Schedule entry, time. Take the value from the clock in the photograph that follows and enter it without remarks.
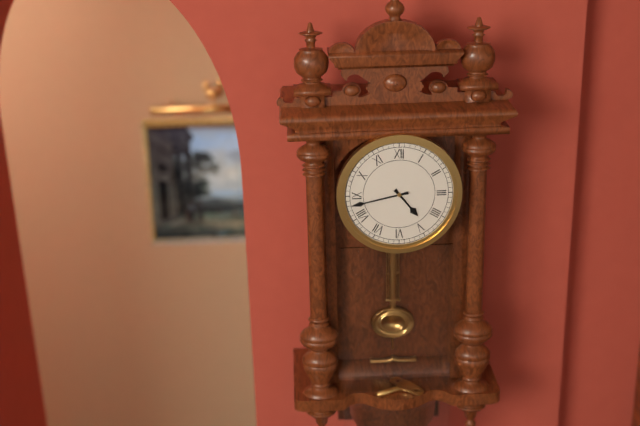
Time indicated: 4:43
